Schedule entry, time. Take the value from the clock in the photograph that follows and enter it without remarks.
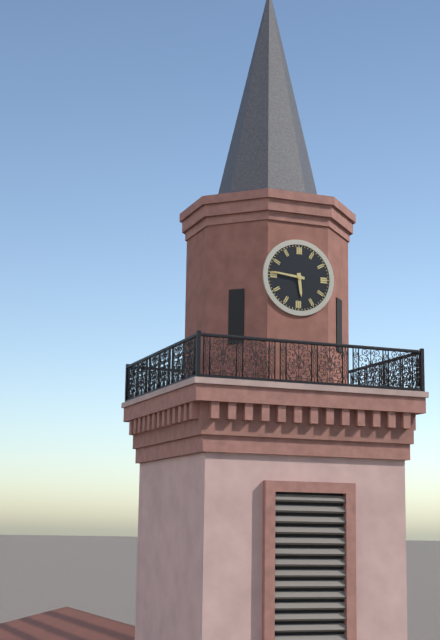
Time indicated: 5:46
